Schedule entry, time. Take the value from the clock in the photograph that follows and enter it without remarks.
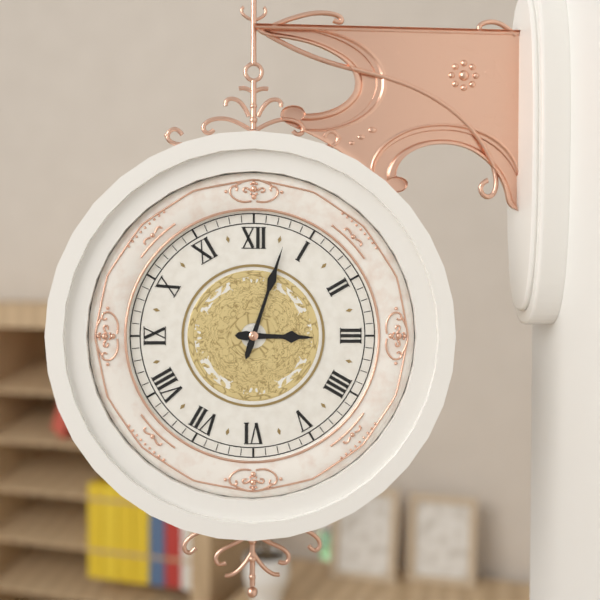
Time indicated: 3:03
